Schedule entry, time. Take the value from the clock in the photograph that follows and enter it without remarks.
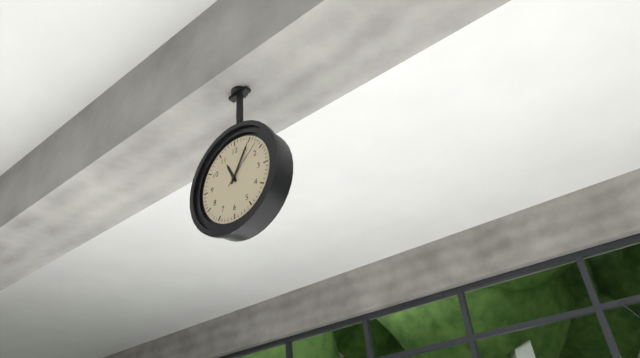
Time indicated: 11:05:08
